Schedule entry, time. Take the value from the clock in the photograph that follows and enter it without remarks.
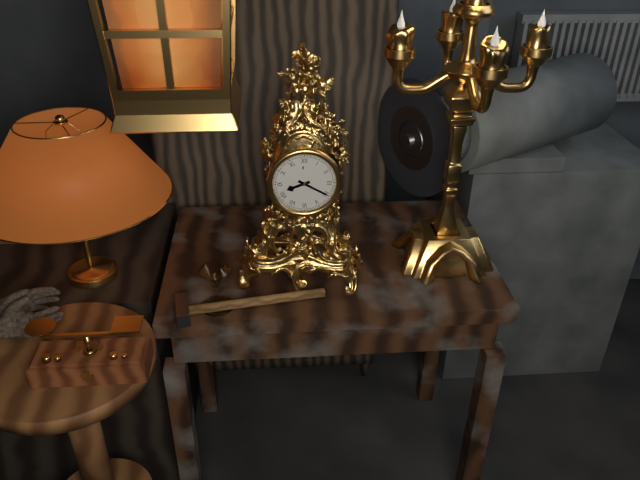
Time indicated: 8:20
